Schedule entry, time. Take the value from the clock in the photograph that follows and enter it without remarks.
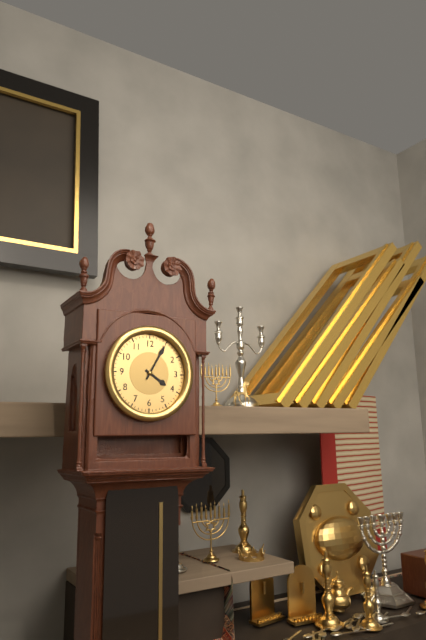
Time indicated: 4:05
